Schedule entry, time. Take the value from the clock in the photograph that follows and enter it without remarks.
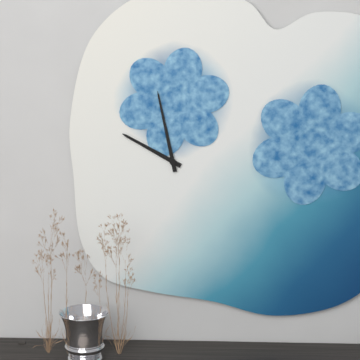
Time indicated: 9:58
